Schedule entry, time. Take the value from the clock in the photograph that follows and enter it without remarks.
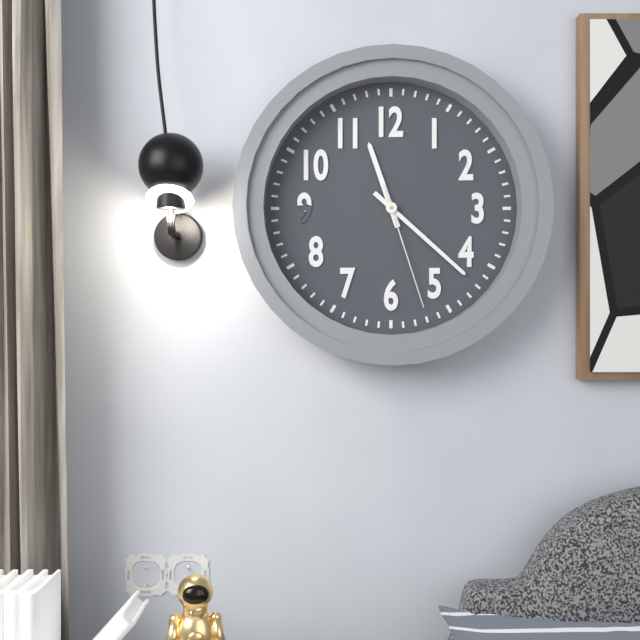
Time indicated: 11:22:27
